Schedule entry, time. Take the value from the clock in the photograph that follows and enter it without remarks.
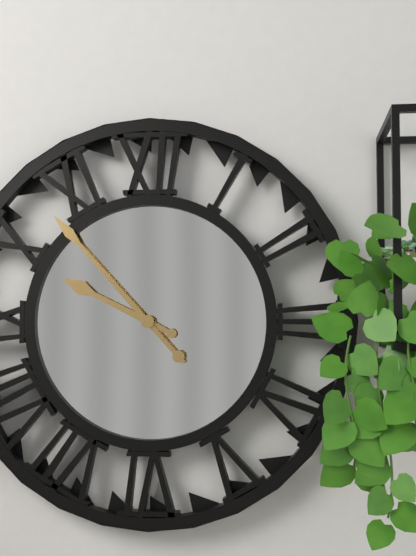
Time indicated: 9:53
